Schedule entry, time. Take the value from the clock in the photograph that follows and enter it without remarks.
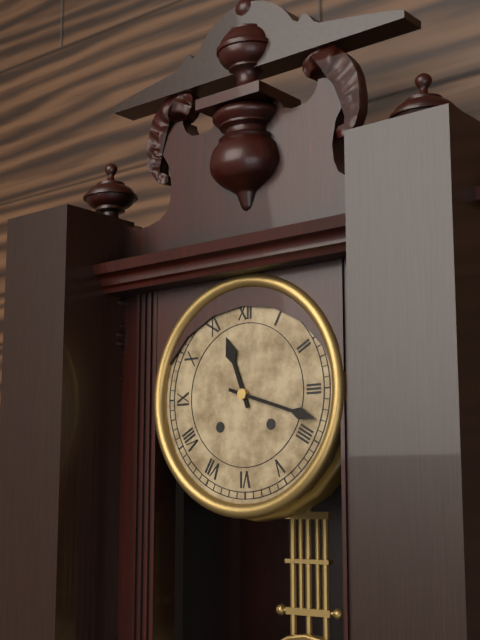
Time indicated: 11:18
